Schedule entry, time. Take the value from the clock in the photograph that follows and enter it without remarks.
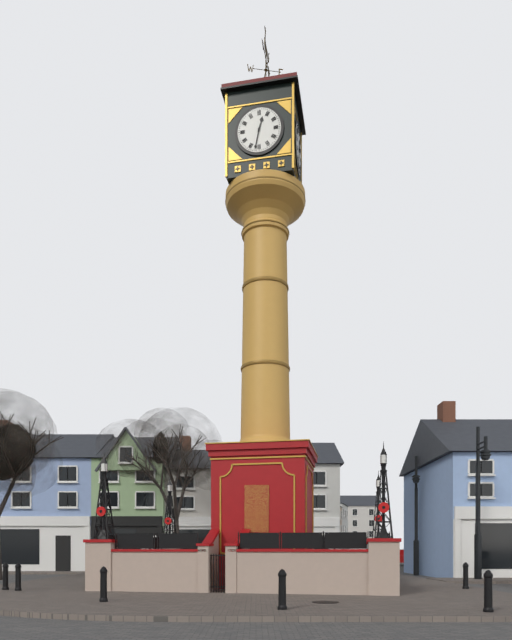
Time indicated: 12:32
